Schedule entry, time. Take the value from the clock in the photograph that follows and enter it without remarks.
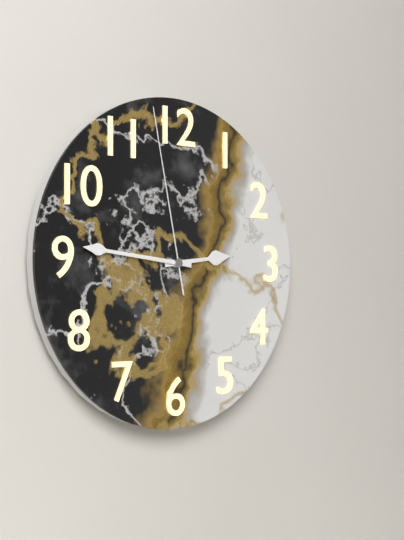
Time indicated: 2:46:58
